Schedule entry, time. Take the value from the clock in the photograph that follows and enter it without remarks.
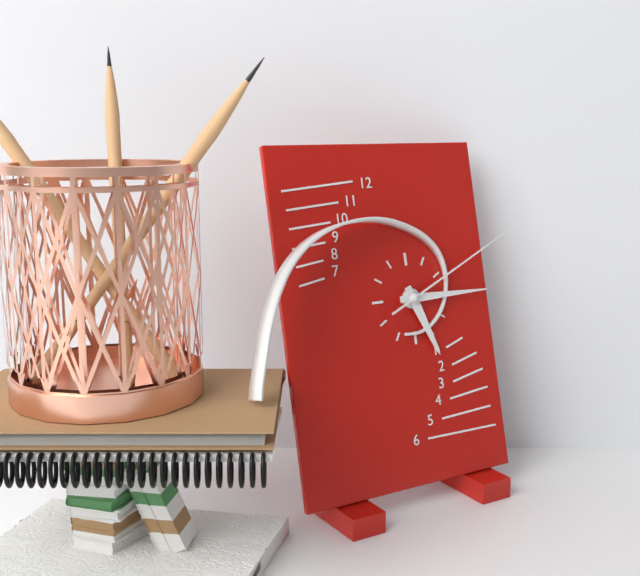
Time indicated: 5:15:11
